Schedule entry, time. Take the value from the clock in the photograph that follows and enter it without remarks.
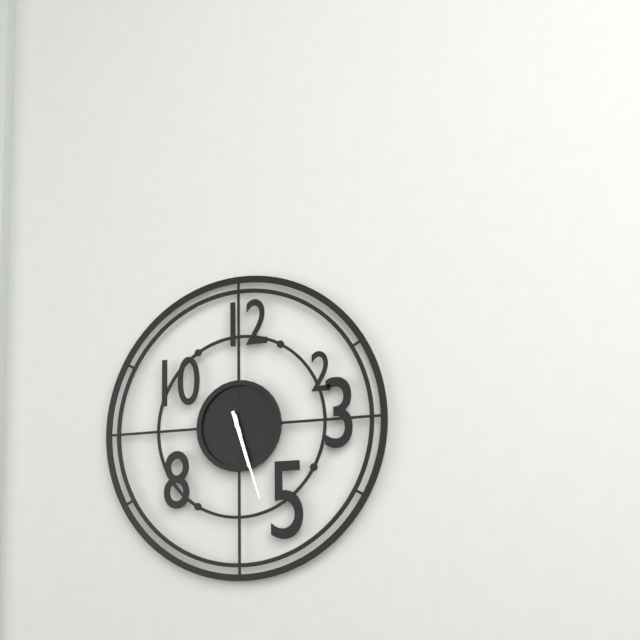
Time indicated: 5:27
